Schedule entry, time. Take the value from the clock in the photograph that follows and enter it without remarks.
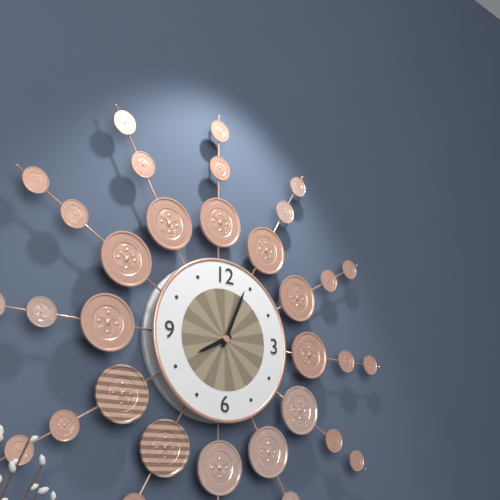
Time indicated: 8:04
